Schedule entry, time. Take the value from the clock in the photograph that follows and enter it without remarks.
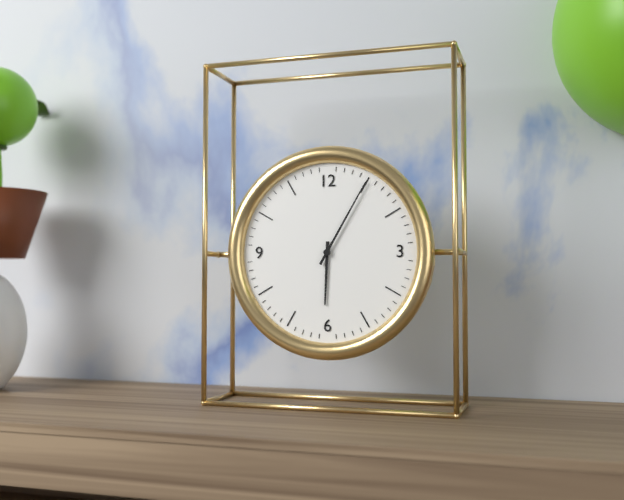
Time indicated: 6:05
